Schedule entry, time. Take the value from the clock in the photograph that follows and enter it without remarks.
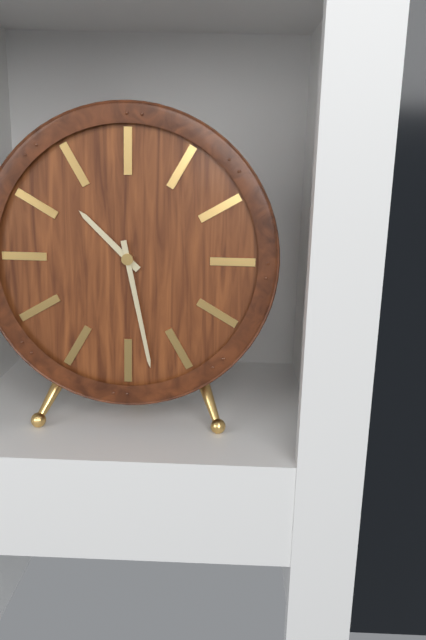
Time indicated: 10:28
